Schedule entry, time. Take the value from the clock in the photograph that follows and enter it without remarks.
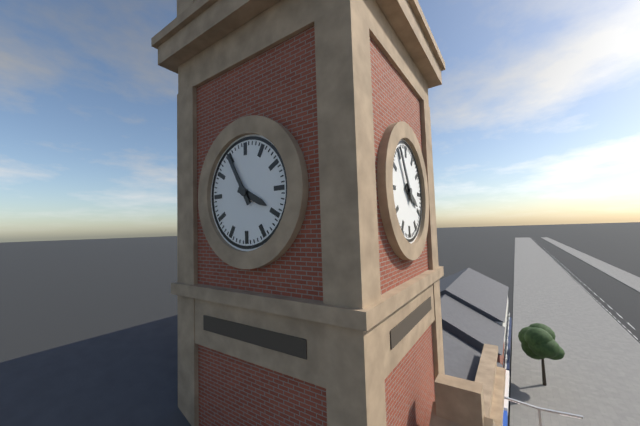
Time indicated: 3:55
